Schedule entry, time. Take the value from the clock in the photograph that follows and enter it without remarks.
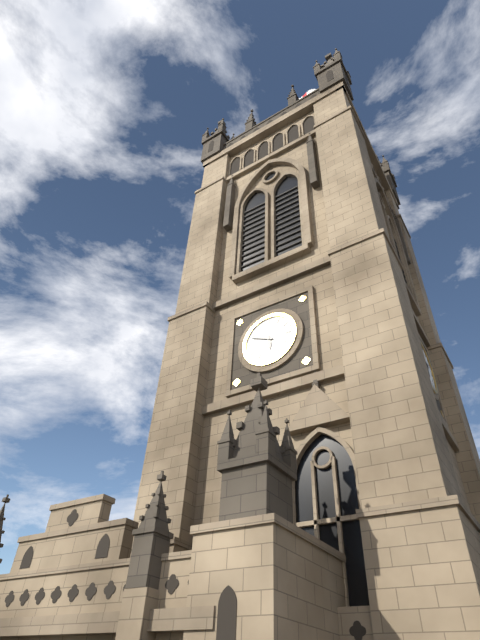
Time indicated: 5:49
